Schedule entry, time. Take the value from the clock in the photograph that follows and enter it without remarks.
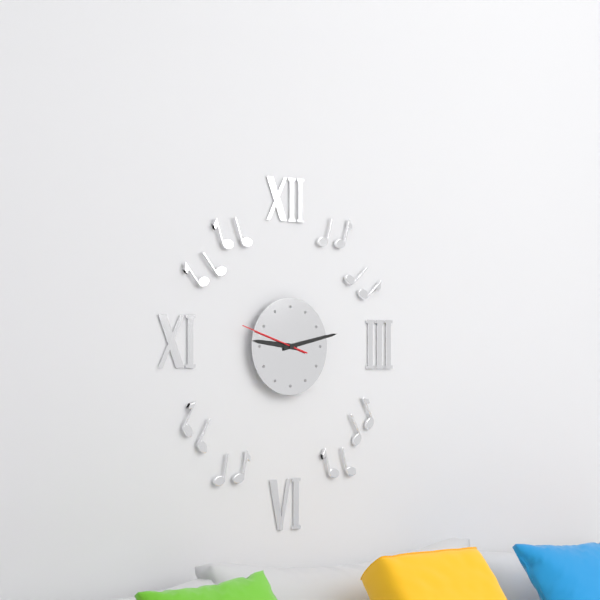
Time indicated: 9:13:48
